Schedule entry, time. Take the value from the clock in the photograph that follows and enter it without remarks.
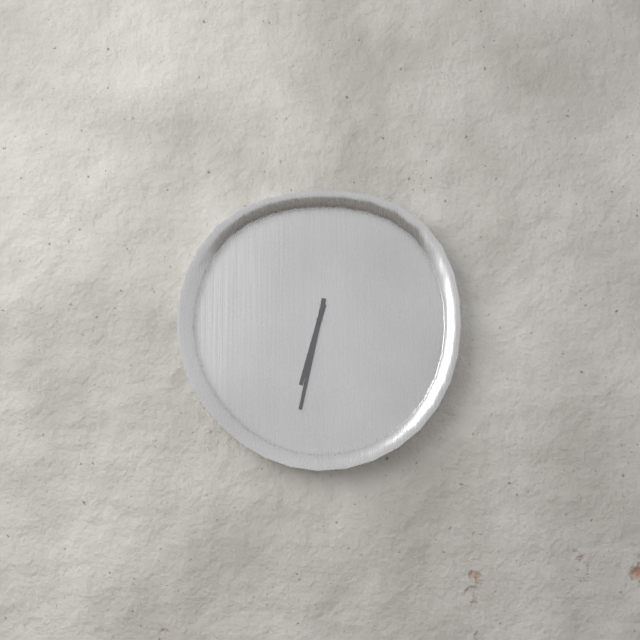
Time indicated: 6:32
